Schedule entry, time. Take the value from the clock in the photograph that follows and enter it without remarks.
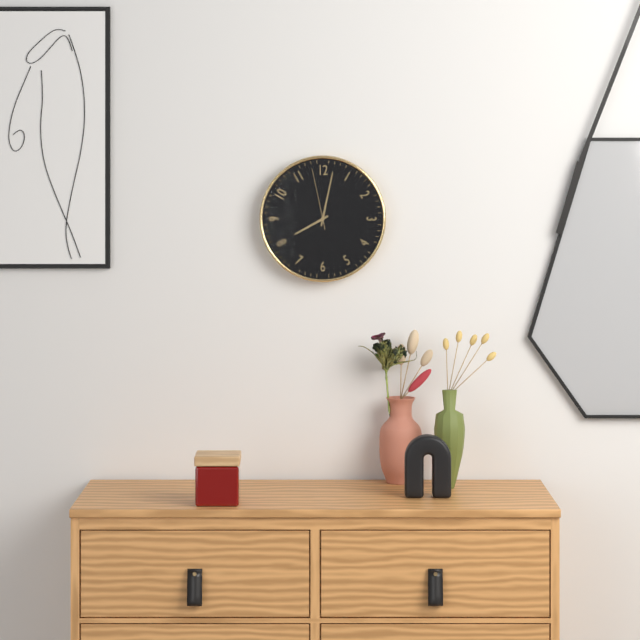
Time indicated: 8:02:58
